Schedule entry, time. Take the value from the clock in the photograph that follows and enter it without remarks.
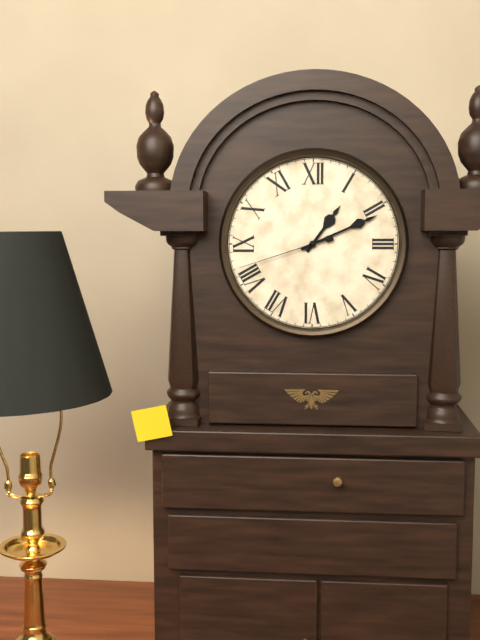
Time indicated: 1:11:42
